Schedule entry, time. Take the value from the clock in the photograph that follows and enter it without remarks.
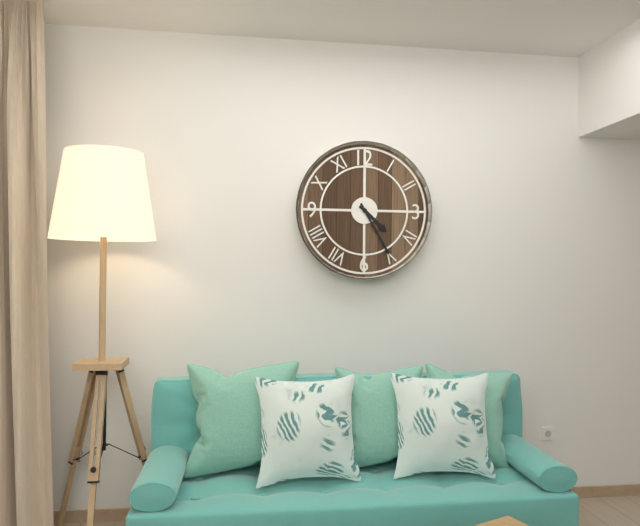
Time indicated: 4:25
